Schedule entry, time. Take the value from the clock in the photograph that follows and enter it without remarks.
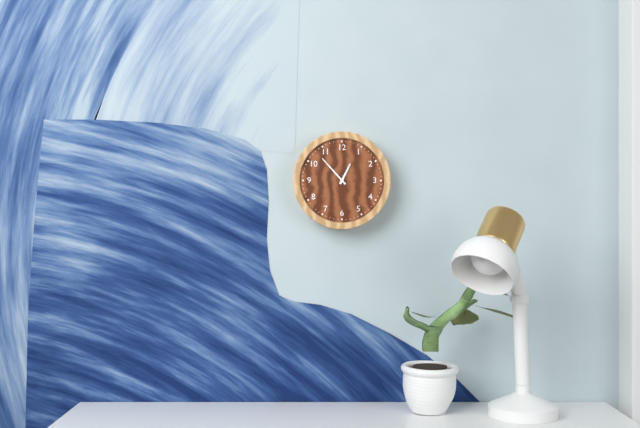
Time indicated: 12:53
